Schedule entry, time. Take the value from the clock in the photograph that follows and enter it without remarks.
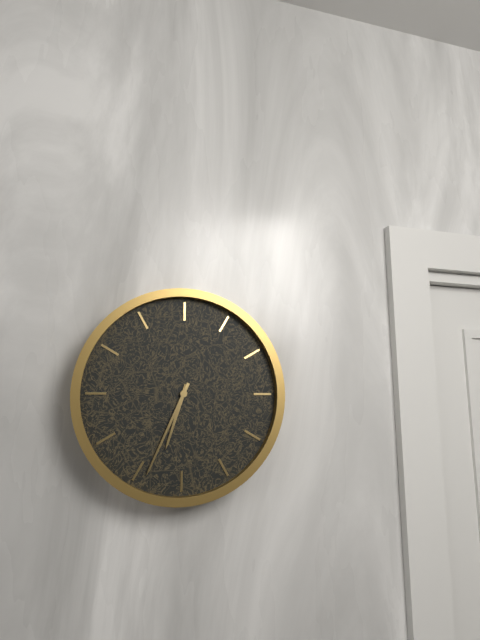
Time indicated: 6:34
